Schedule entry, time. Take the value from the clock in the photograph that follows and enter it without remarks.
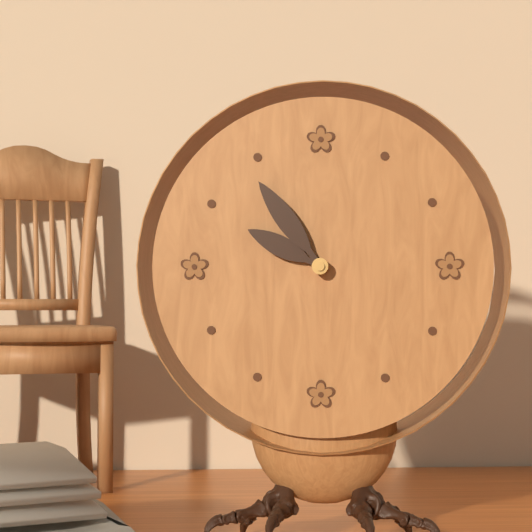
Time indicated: 9:54
